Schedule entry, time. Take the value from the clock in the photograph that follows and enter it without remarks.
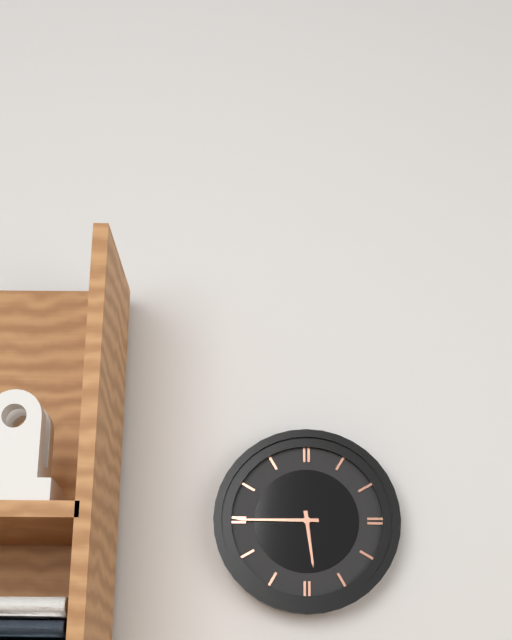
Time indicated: 5:45
